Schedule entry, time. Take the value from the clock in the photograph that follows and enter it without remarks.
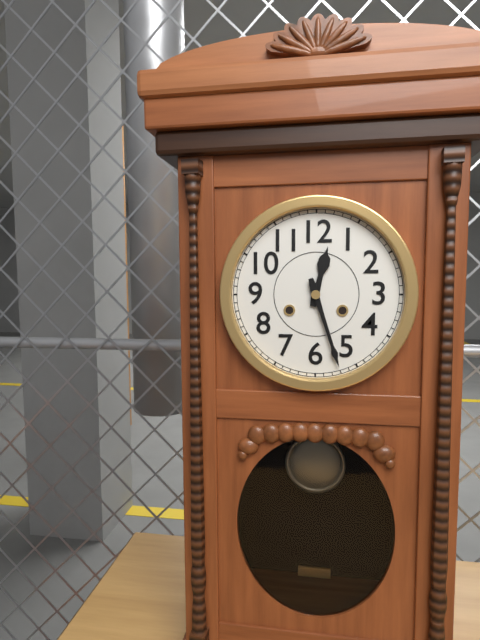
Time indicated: 12:27
